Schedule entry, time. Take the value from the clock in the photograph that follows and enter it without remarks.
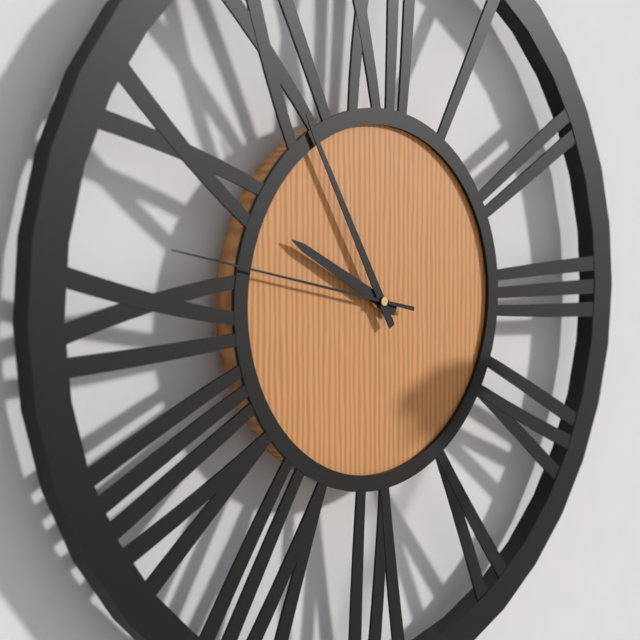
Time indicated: 9:55:47
